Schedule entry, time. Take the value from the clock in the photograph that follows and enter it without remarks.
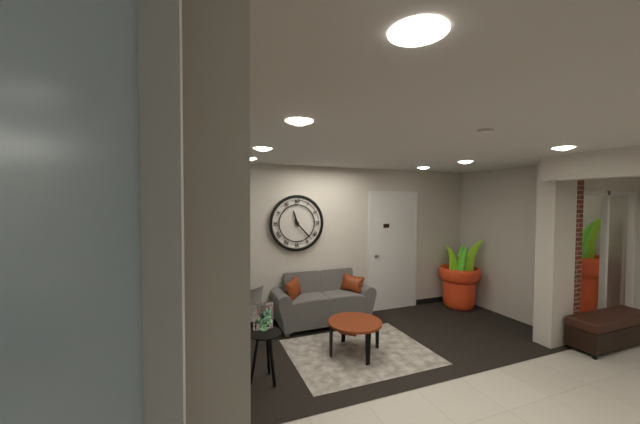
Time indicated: 11:23
